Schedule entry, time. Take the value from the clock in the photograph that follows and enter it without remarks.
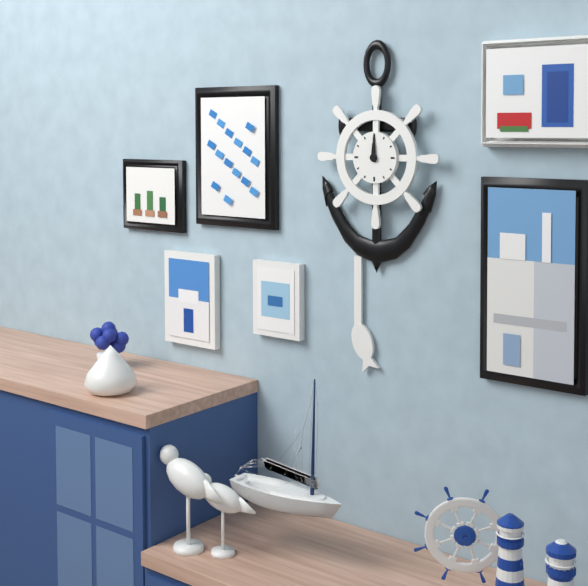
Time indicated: 12:00
